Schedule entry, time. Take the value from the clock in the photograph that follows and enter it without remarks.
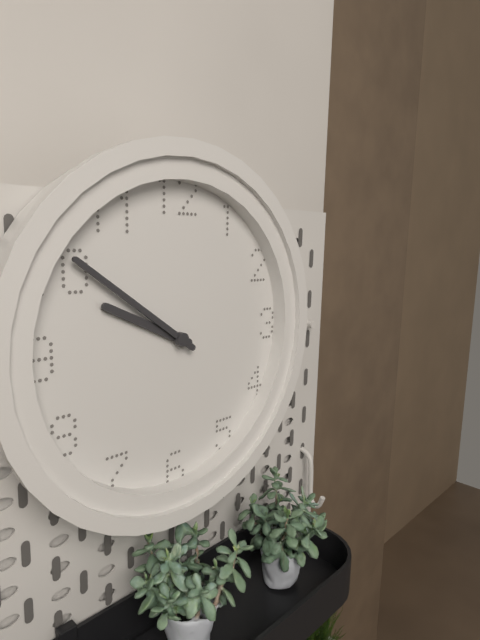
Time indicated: 9:51
